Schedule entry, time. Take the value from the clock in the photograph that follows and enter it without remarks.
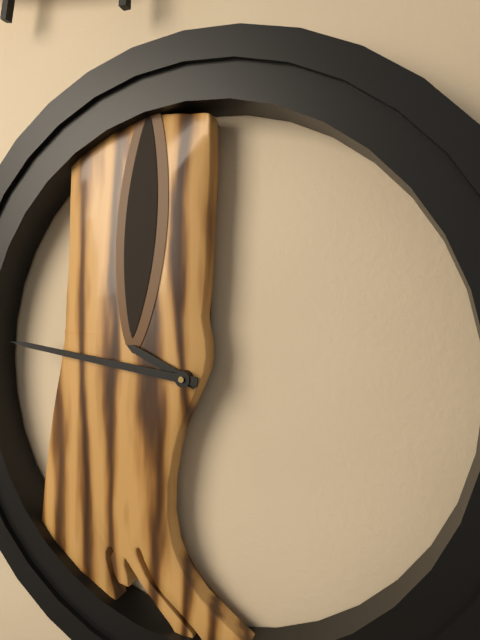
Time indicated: 9:46
